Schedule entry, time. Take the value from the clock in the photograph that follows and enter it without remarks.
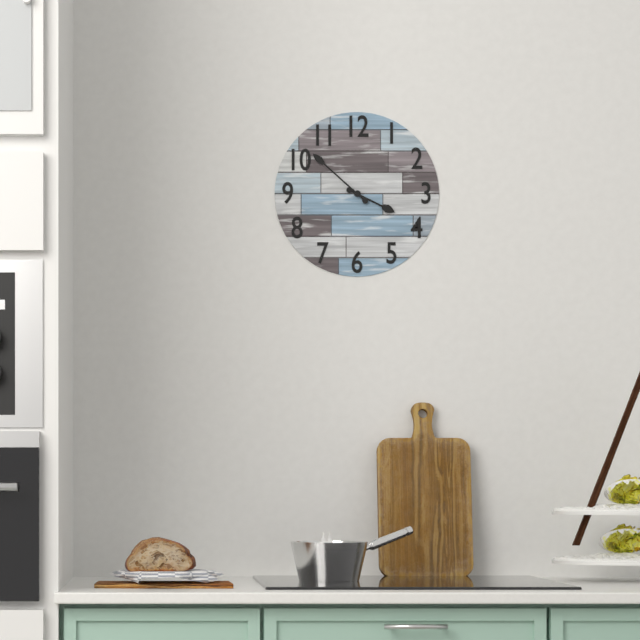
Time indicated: 3:52
